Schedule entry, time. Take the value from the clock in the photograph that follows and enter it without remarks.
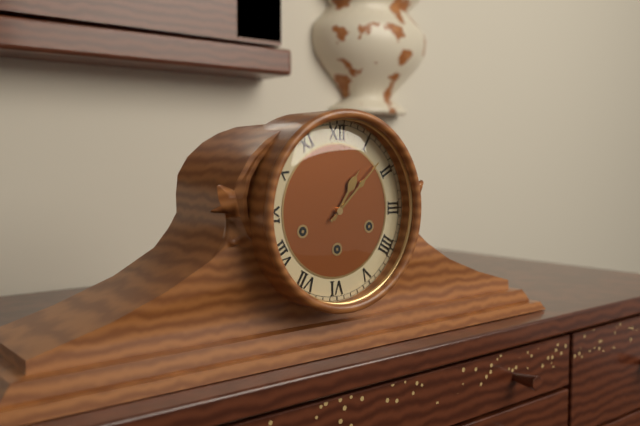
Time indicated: 1:08
